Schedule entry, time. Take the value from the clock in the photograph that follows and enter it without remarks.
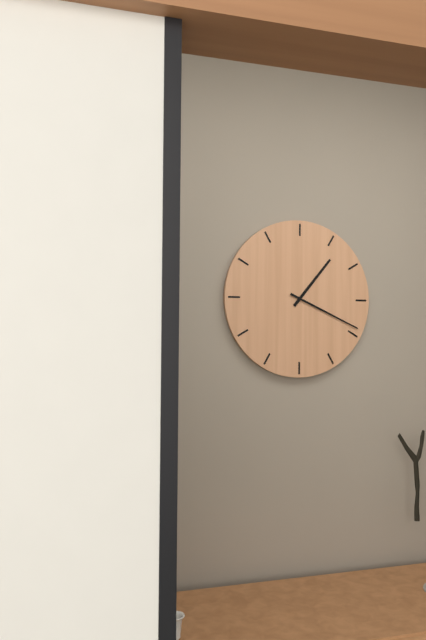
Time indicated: 1:19
